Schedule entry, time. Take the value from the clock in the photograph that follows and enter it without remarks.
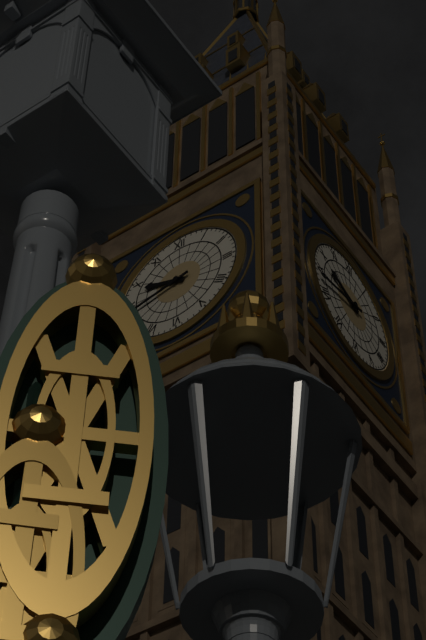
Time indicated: 9:43
